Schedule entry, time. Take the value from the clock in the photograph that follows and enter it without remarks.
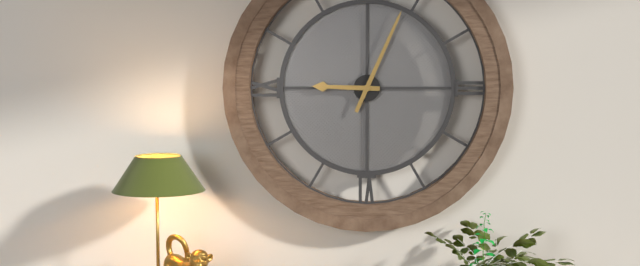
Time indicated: 9:04
